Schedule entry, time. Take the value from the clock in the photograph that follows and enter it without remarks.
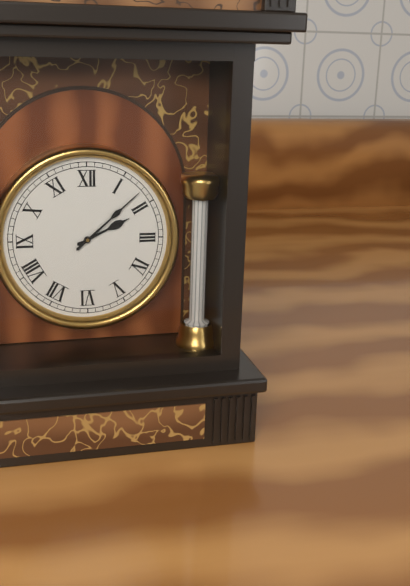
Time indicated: 2:08
